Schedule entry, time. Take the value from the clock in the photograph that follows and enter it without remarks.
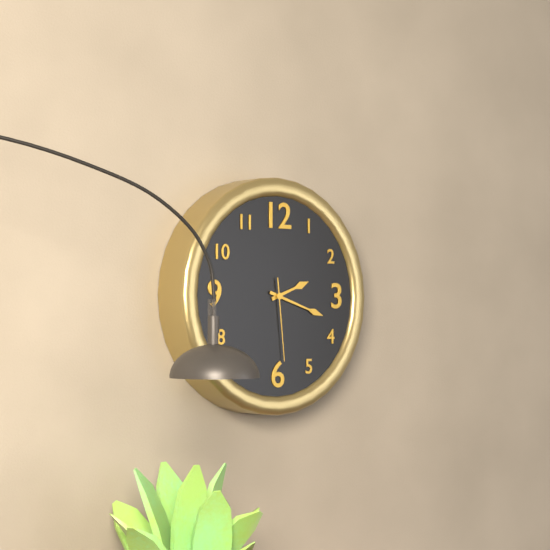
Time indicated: 2:18:29
